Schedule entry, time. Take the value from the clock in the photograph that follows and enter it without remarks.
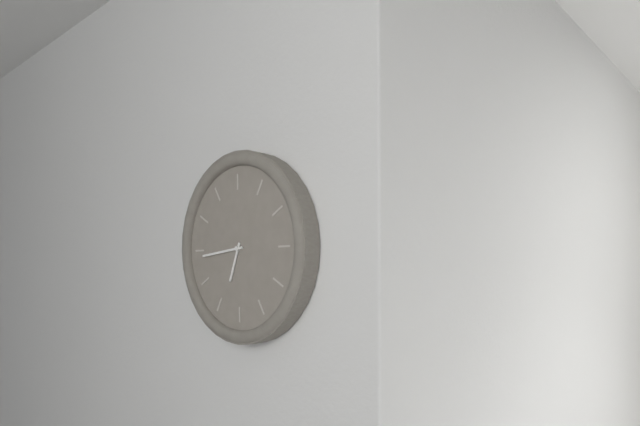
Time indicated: 6:44
